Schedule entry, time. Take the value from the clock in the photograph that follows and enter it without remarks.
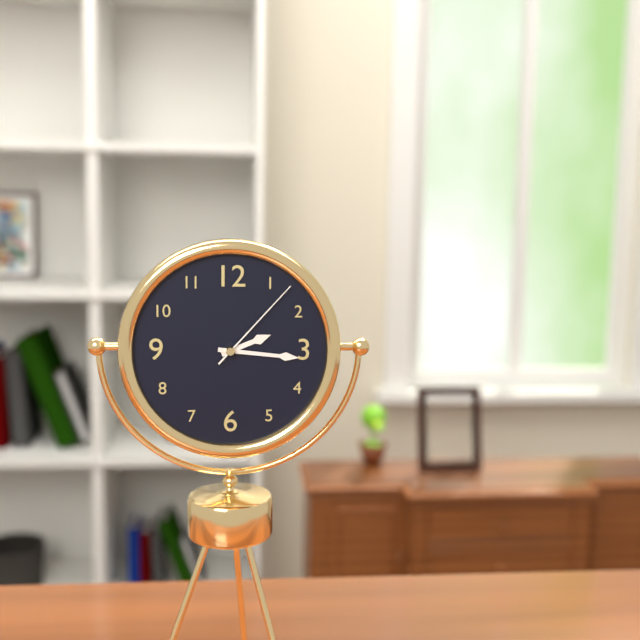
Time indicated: 2:16:07
